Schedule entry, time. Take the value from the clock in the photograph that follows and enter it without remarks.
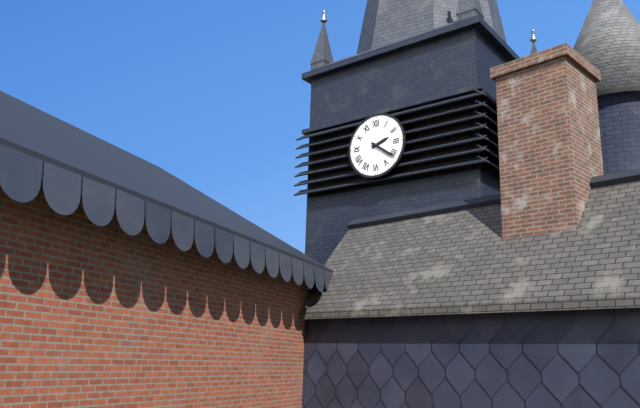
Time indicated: 2:21
